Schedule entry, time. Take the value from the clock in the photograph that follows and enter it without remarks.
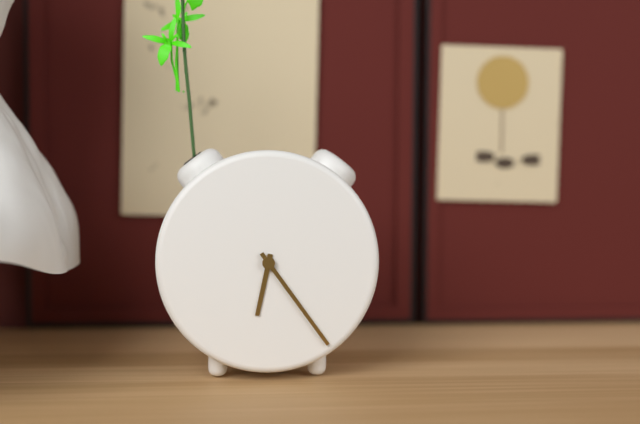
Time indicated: 6:24
